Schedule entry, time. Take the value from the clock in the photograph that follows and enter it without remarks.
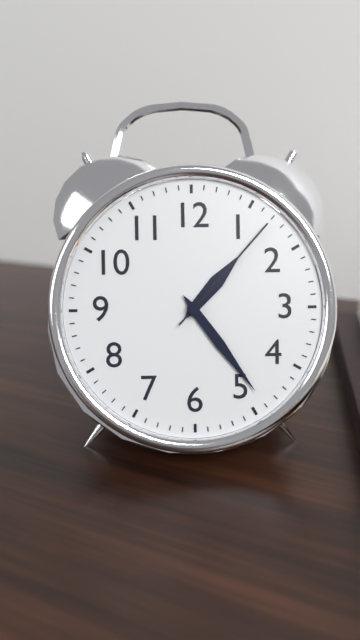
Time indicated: 1:24:07
